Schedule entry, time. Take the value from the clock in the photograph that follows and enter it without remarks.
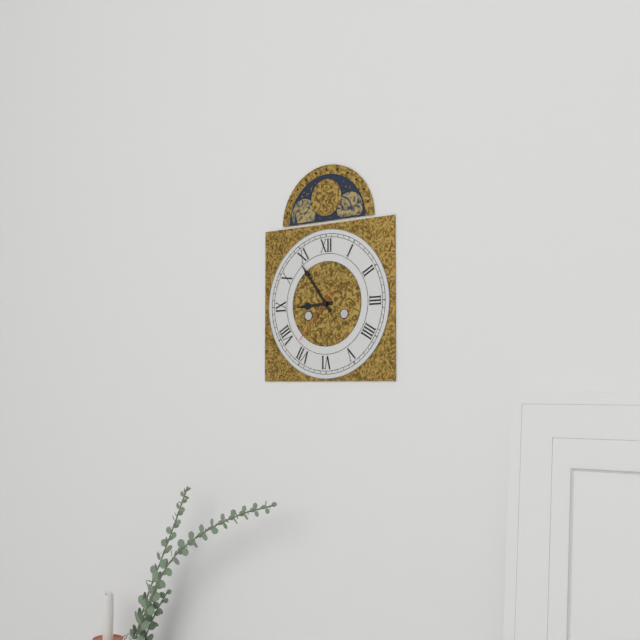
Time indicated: 8:54:37
